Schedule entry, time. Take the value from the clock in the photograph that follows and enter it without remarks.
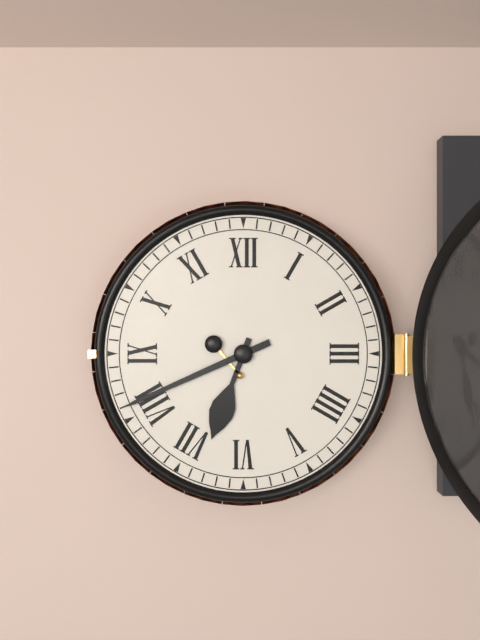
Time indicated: 6:41
